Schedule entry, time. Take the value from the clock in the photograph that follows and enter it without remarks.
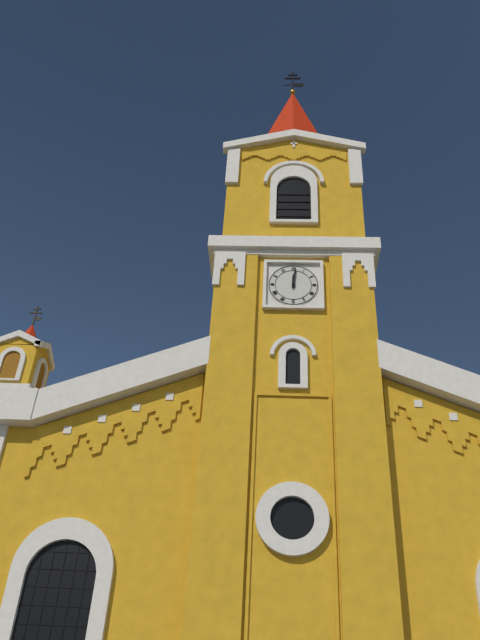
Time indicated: 12:01
